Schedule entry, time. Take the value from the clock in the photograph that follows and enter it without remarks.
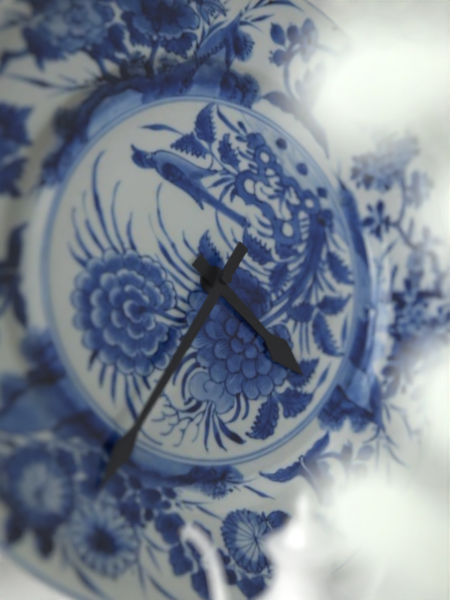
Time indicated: 4:37
